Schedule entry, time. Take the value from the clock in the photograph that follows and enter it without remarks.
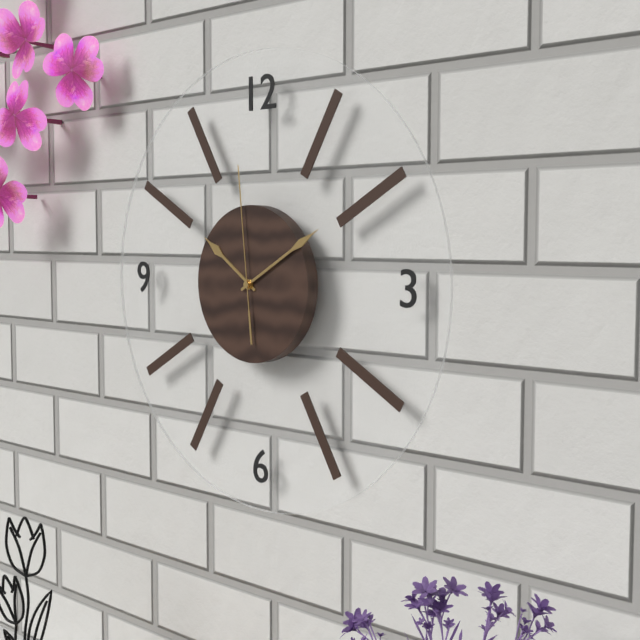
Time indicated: 10:10:59
